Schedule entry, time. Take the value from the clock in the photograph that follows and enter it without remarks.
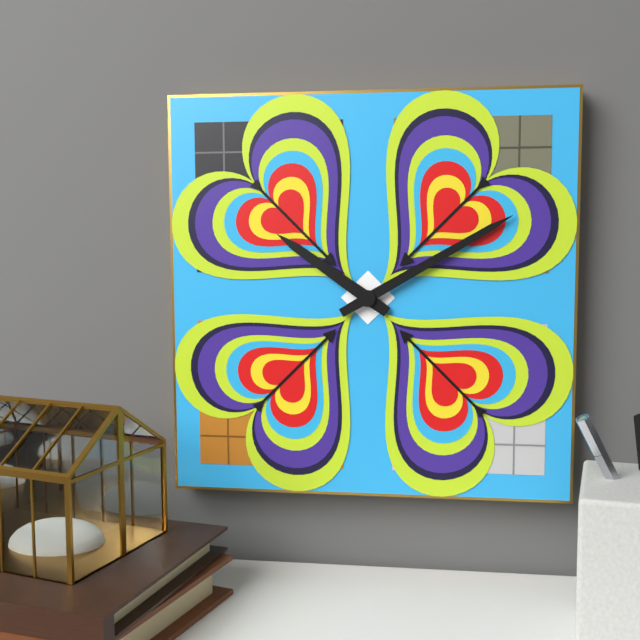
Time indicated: 10:10
